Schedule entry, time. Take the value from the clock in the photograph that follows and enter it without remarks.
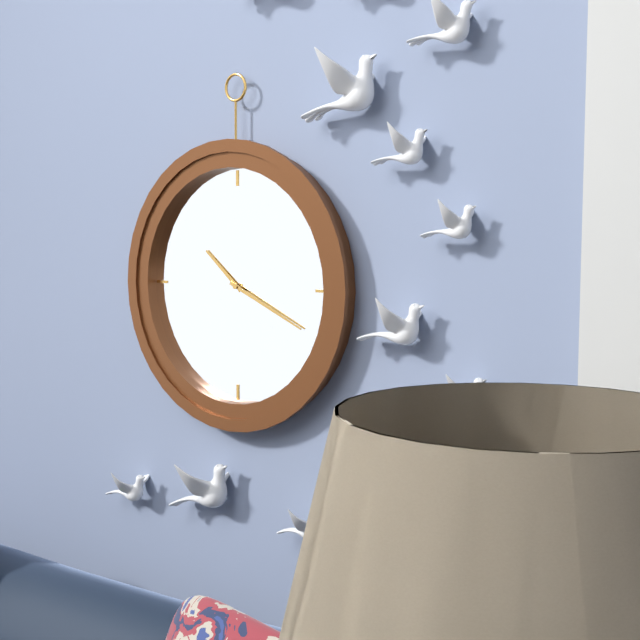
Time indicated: 10:19
